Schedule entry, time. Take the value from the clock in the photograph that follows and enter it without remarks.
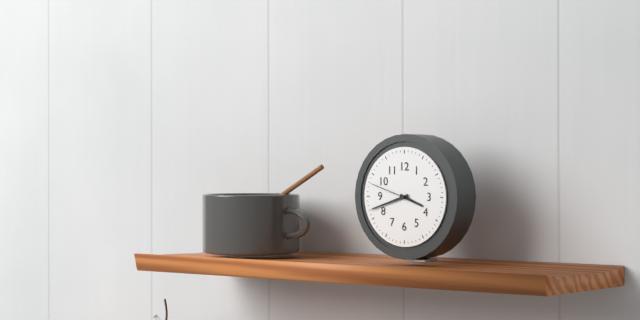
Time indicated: 3:42
